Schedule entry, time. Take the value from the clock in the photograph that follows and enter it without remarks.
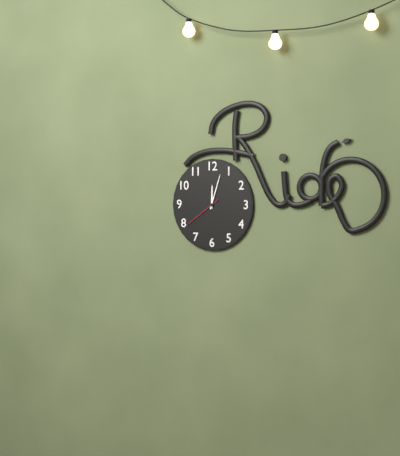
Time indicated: 12:03
